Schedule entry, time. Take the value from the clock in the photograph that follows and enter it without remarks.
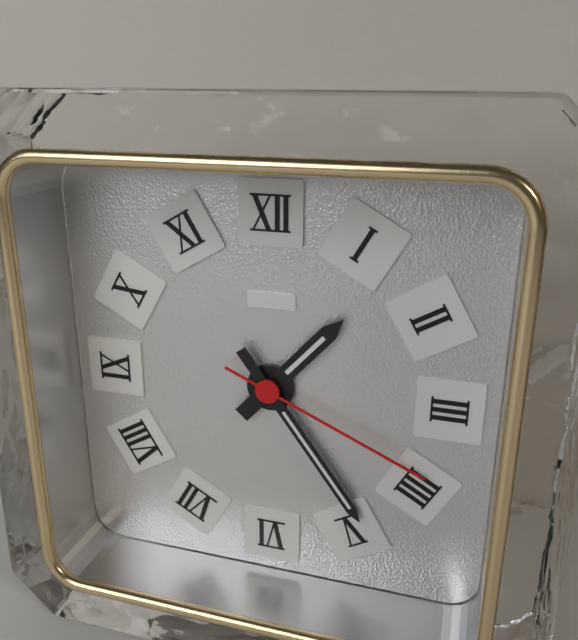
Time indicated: 1:24:19
